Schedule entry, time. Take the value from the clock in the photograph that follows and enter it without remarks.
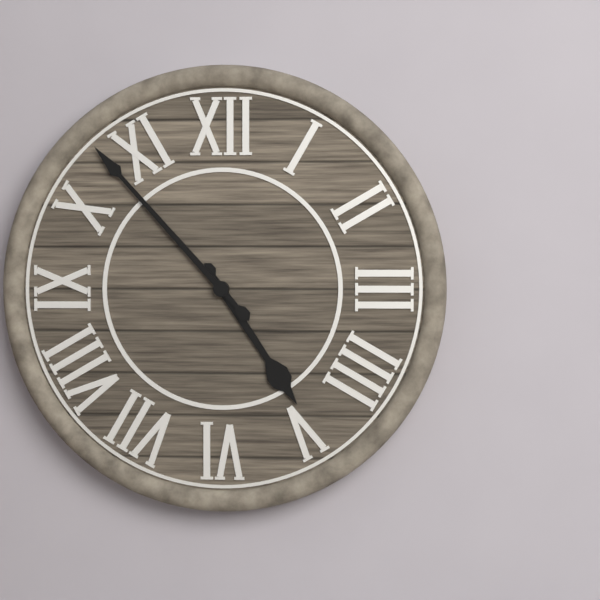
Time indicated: 4:53
